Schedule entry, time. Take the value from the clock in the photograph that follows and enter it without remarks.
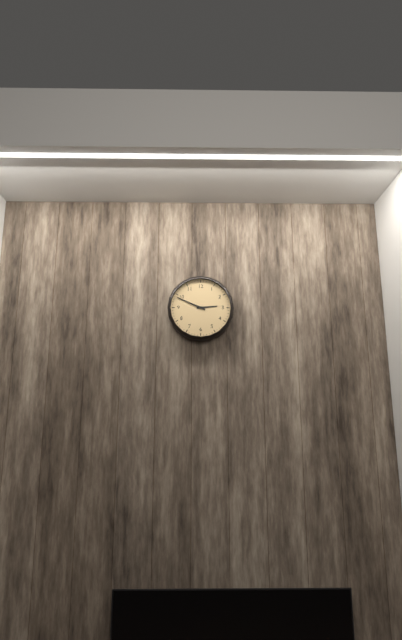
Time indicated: 2:49
